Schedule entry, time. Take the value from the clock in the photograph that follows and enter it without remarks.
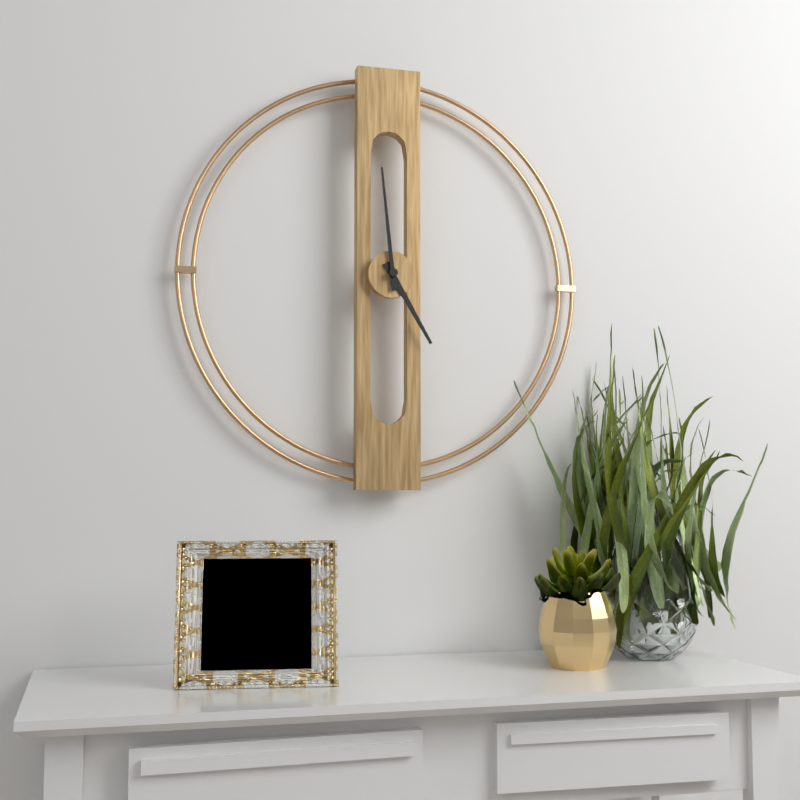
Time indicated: 4:59
